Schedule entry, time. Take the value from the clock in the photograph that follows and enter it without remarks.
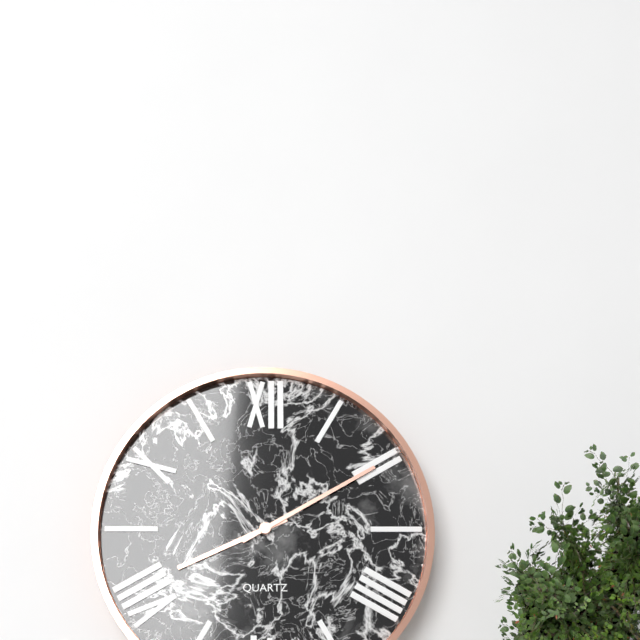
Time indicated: 8:10
